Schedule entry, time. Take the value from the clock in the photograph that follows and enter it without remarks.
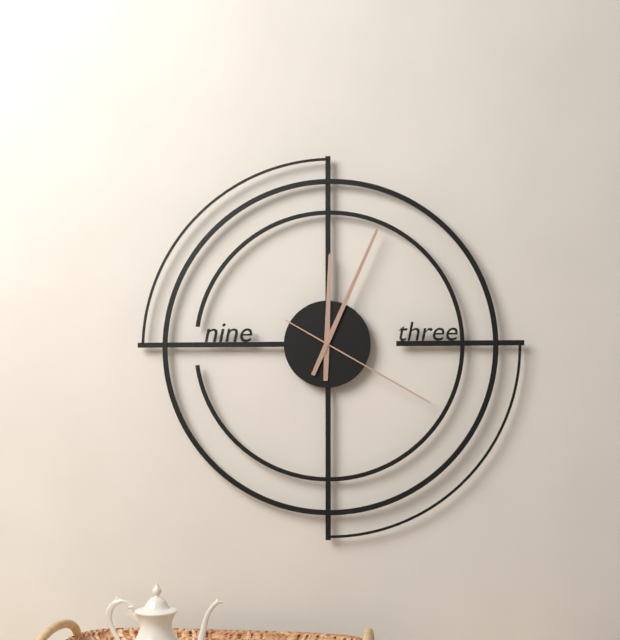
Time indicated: 12:04:20
